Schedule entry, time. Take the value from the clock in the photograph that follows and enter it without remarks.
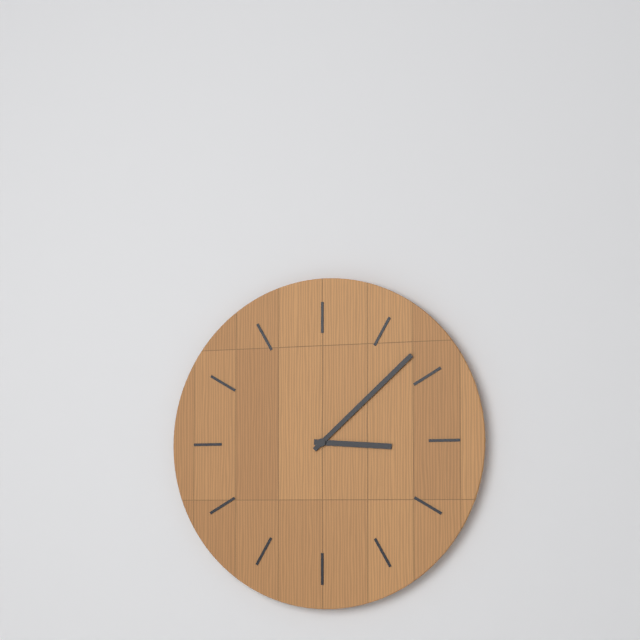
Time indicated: 3:08
